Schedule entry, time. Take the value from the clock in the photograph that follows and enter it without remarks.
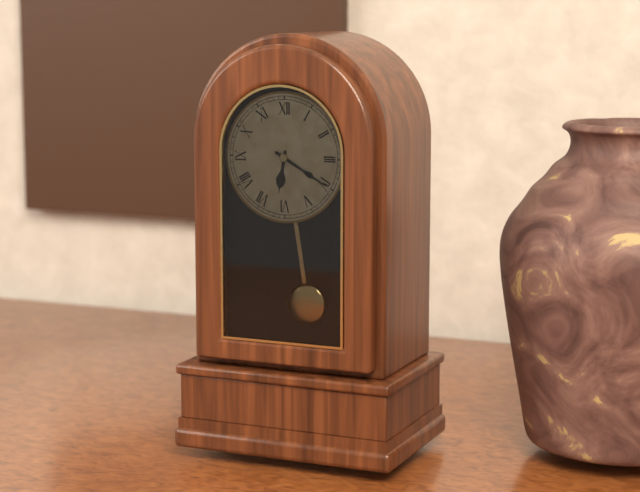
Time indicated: 6:20
